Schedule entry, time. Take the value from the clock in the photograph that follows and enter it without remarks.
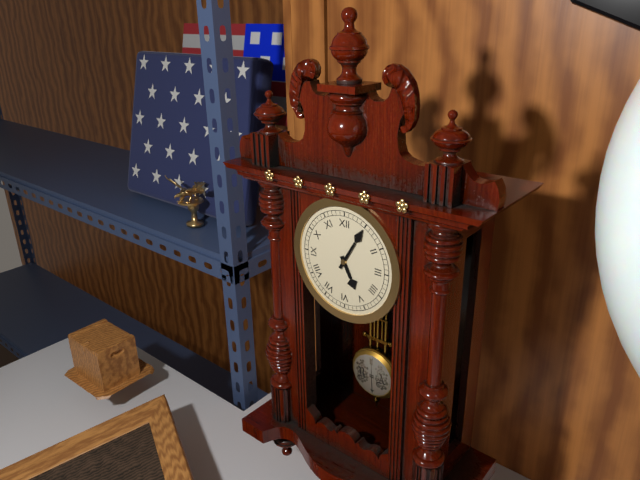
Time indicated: 5:05
